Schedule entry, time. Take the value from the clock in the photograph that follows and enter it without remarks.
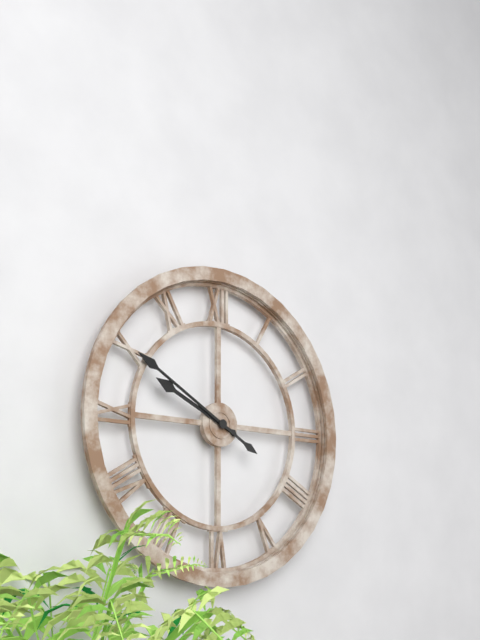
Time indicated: 9:50
